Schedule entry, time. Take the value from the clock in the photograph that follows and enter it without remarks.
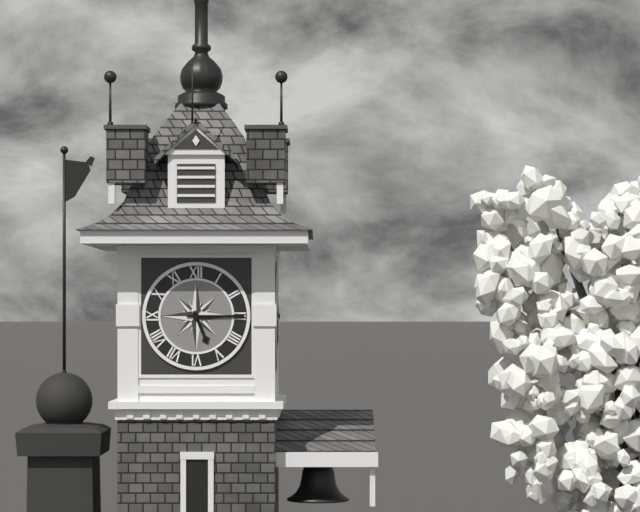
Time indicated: 5:15
